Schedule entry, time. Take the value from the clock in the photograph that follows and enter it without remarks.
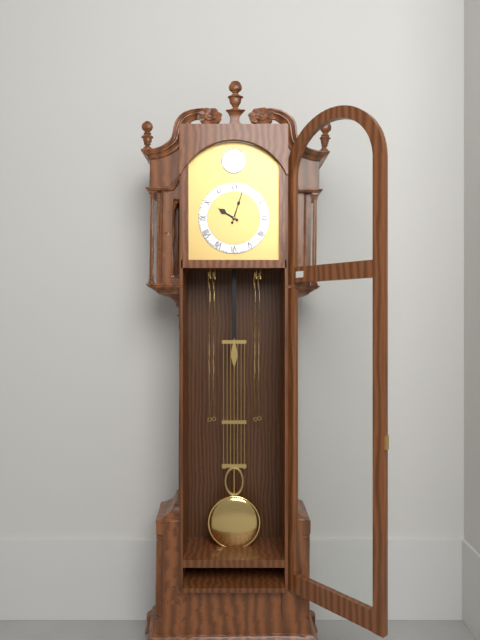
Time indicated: 10:03
